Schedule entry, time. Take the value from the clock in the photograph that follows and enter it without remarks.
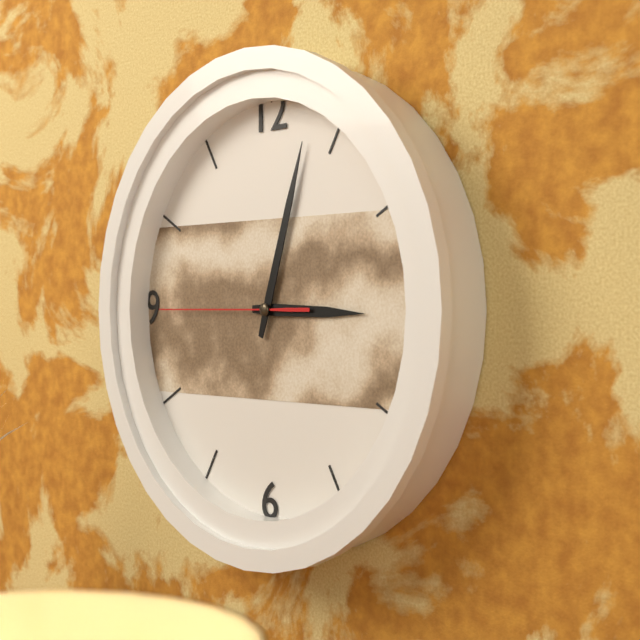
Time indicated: 3:03:45
